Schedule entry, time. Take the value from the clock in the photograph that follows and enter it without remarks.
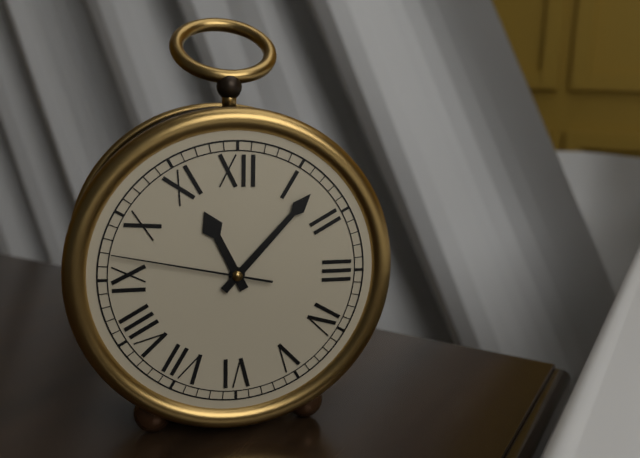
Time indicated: 11:07:47
